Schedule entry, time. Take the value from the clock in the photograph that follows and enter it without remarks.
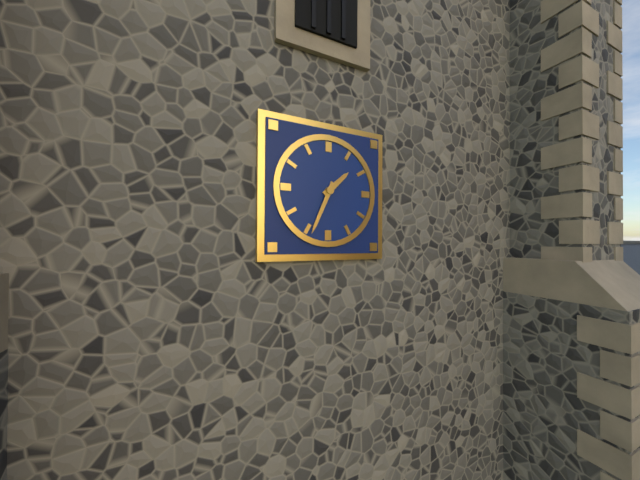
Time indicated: 1:34
